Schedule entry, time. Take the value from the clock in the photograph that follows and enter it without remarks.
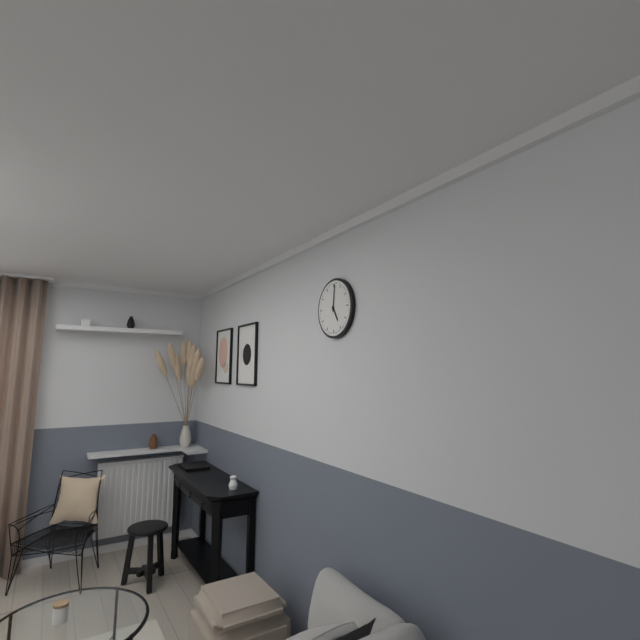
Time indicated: 5:01
